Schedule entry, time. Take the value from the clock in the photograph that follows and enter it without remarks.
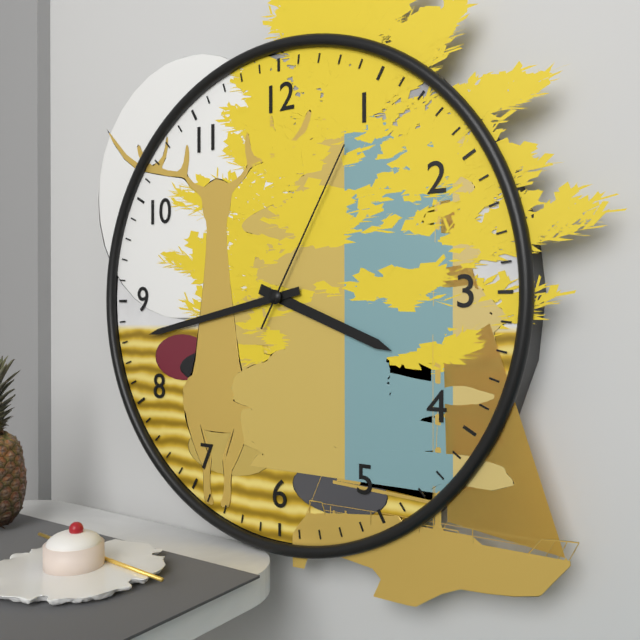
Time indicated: 3:43:05
